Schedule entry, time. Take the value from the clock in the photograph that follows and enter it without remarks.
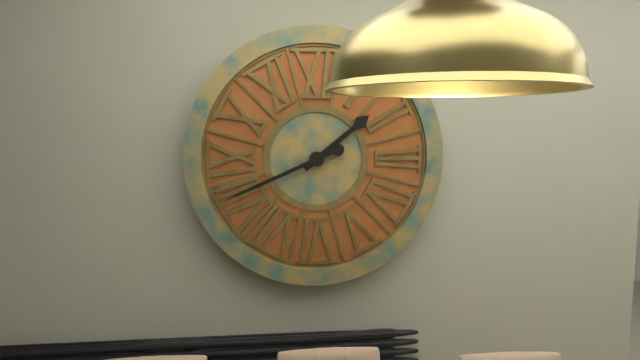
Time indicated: 1:41
